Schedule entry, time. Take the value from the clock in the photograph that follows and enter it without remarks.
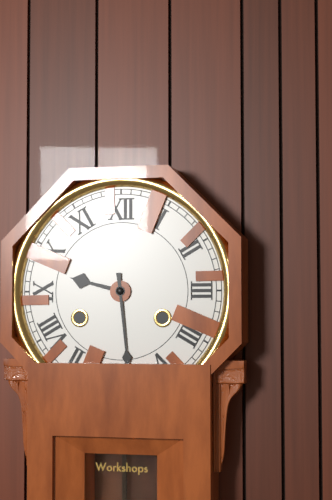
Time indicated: 9:29
